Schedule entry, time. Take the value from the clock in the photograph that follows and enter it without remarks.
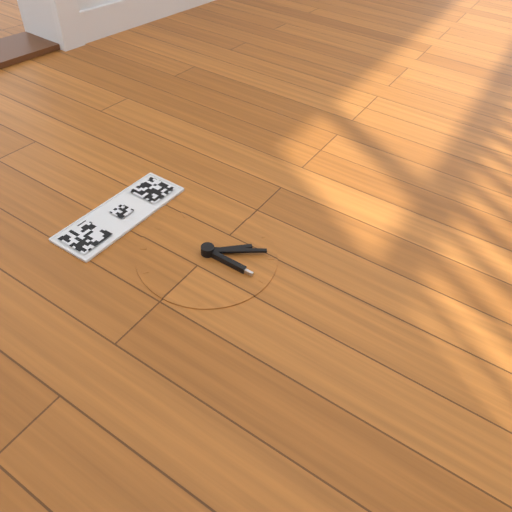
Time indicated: 4:24
